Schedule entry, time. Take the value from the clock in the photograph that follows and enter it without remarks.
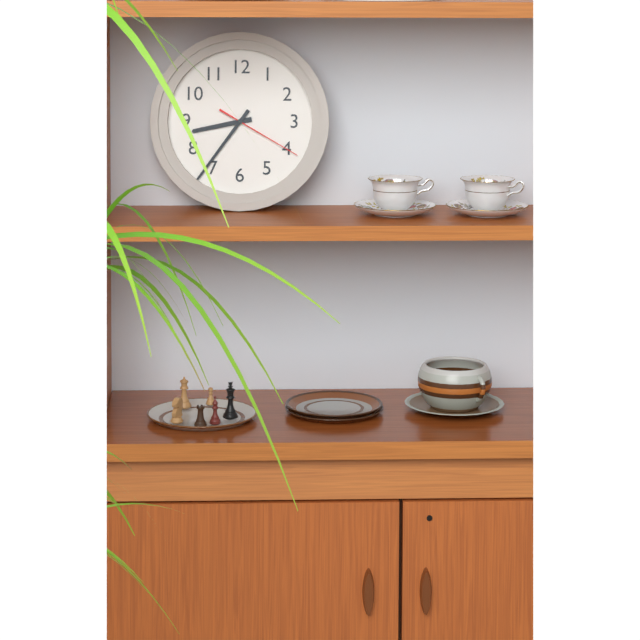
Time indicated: 8:36:20
